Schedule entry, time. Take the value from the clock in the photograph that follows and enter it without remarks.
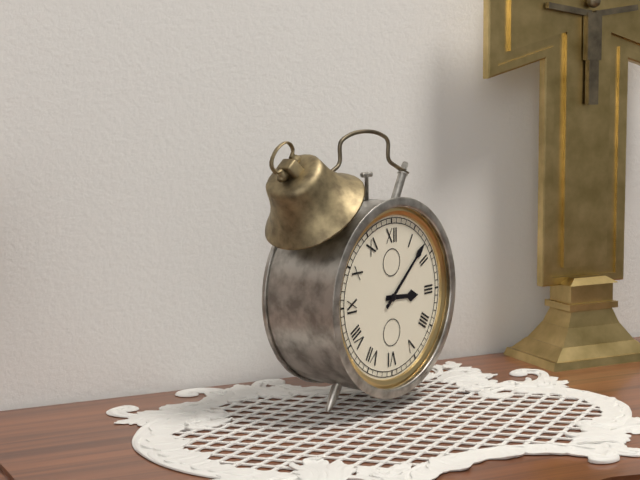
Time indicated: 3:08
